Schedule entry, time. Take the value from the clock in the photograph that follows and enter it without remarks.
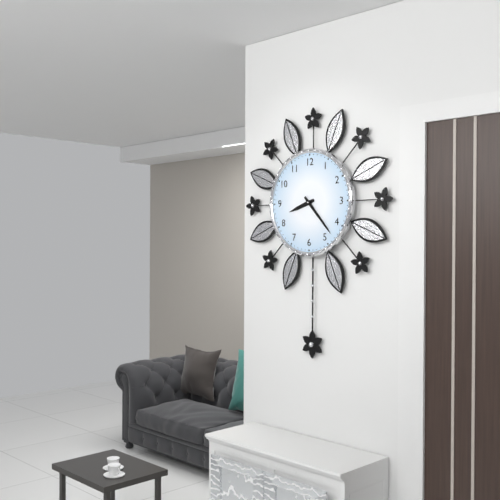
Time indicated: 8:23
